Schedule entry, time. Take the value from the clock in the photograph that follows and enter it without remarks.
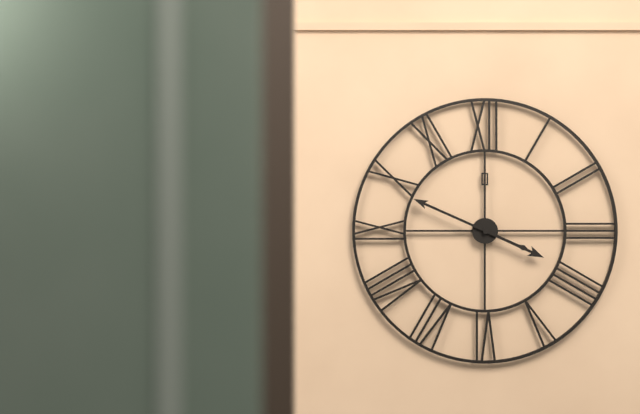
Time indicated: 3:49
